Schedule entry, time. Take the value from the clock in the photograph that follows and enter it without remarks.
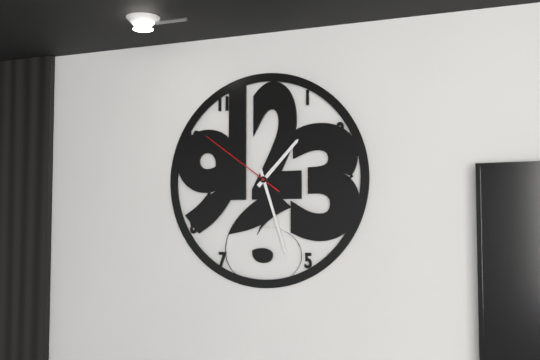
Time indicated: 1:27:51
